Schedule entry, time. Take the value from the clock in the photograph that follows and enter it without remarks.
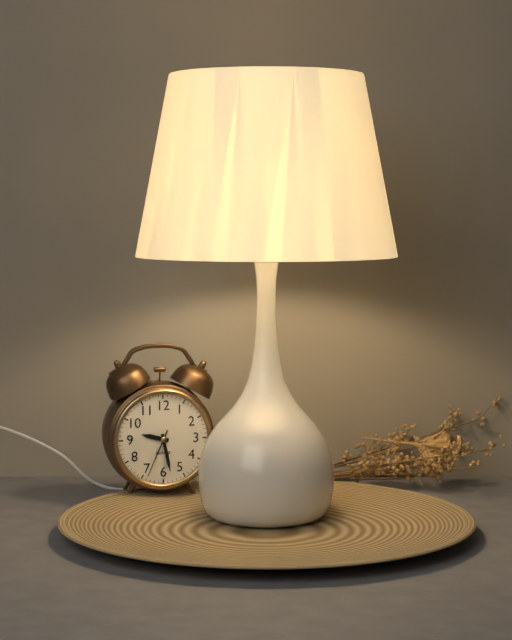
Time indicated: 9:28:34
